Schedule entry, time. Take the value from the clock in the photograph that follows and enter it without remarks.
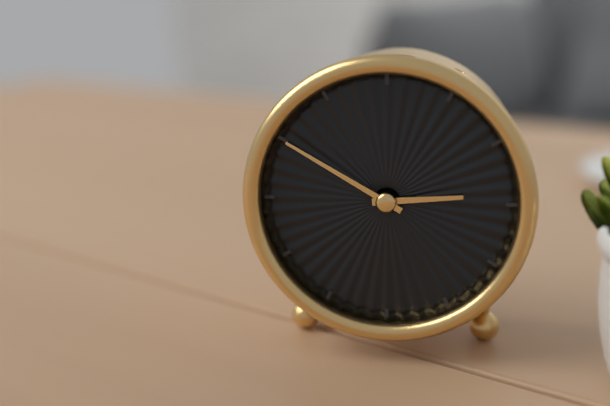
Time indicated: 2:50
